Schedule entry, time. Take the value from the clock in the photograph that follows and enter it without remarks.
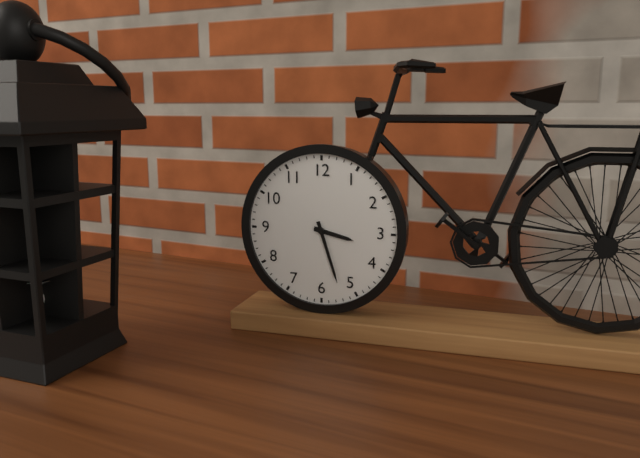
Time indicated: 3:27
